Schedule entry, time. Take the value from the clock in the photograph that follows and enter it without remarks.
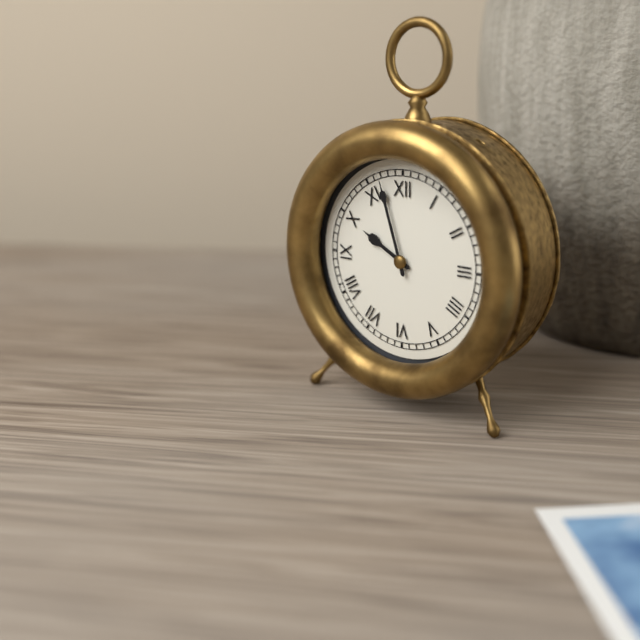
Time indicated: 9:57
